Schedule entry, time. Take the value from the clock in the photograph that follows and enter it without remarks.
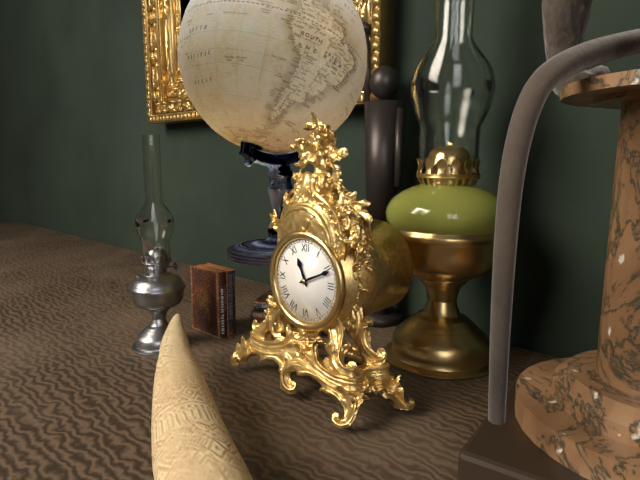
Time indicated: 11:11
